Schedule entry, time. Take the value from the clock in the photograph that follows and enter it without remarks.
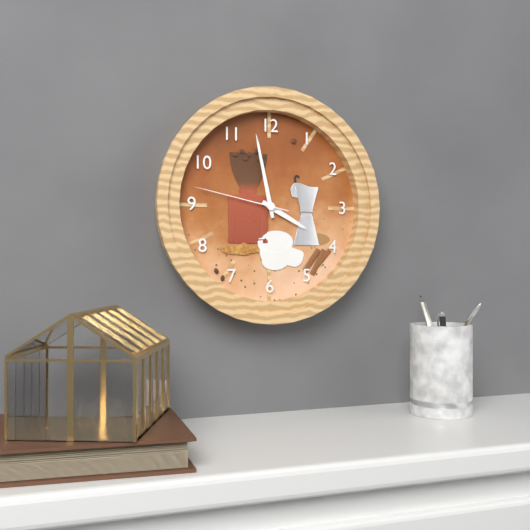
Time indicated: 3:58:47
